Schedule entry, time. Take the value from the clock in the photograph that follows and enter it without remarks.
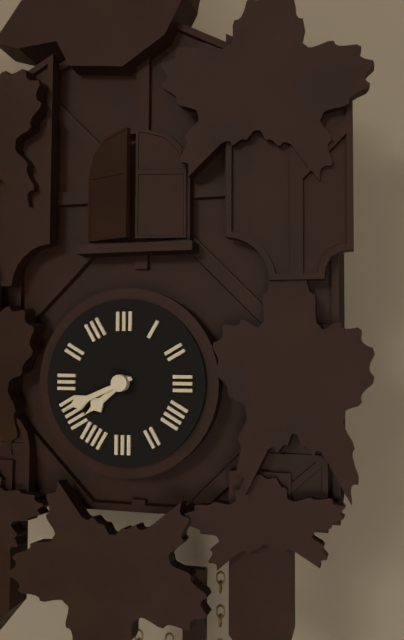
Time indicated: 7:41
